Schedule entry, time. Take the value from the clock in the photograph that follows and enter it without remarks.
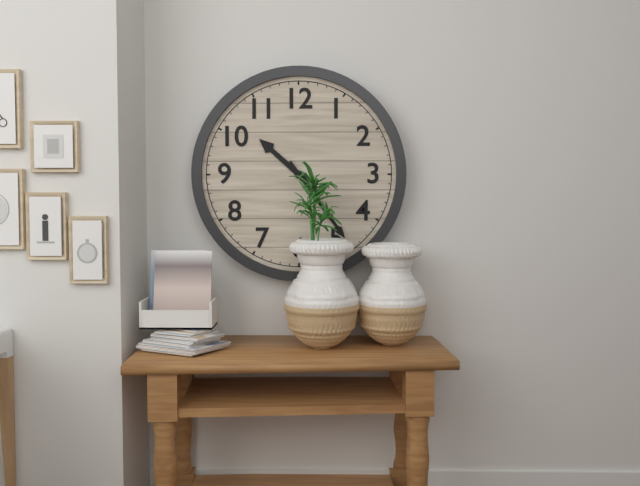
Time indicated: 10:24
